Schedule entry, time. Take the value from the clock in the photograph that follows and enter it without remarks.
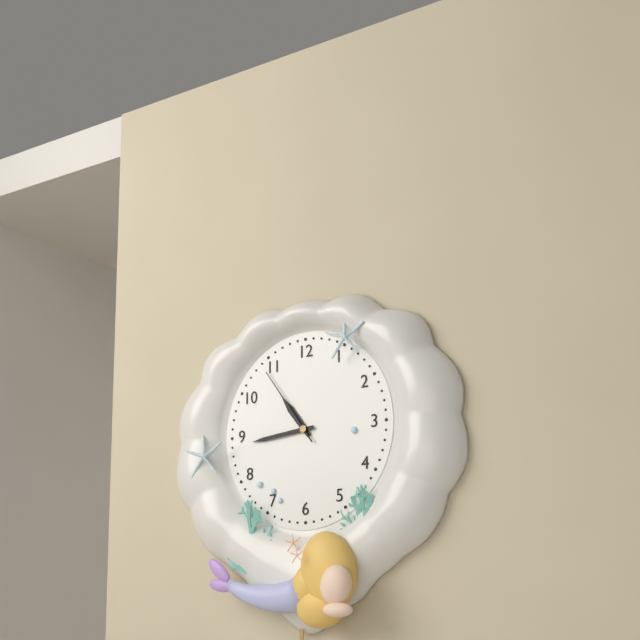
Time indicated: 10:44:54
